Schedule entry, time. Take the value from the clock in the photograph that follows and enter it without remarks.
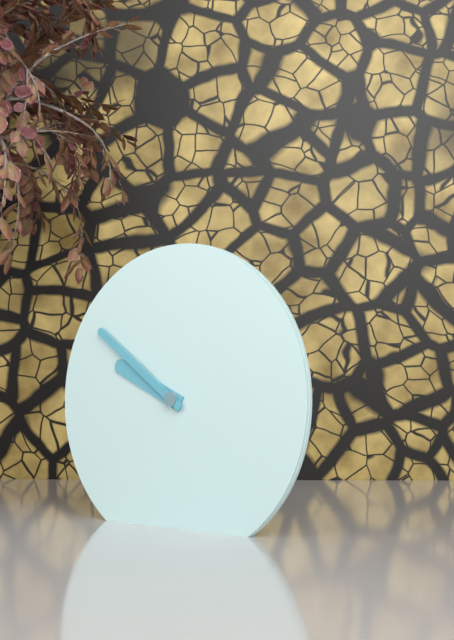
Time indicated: 9:51
